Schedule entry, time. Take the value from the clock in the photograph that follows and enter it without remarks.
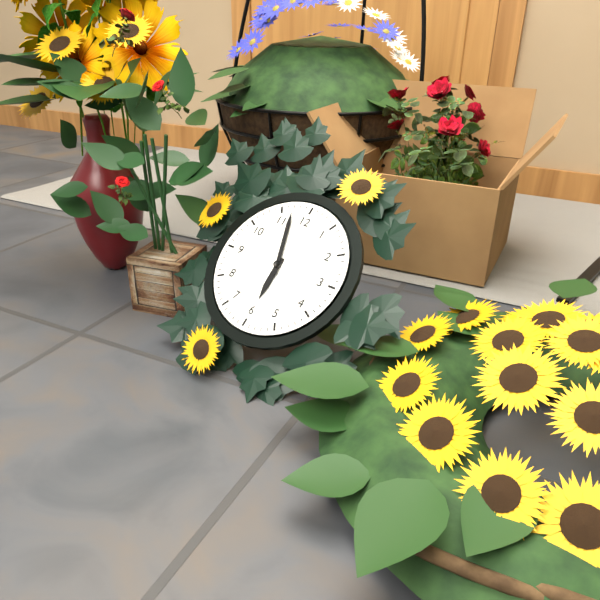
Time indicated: 5:57
